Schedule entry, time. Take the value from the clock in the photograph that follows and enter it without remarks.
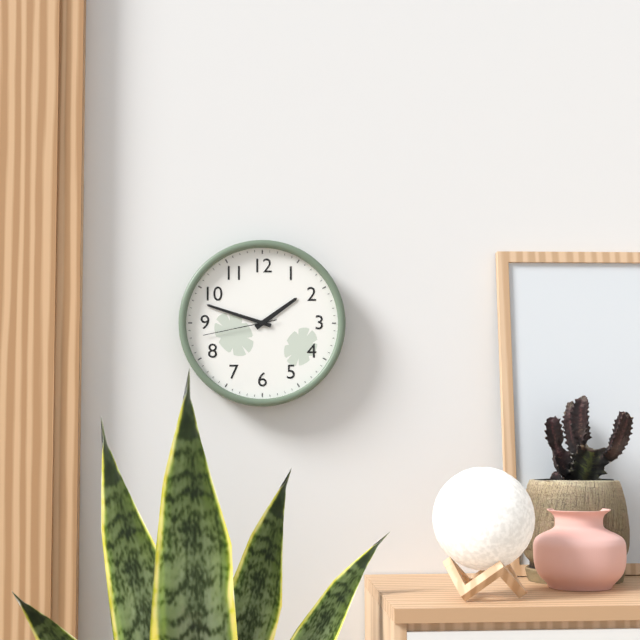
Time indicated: 1:48:43
